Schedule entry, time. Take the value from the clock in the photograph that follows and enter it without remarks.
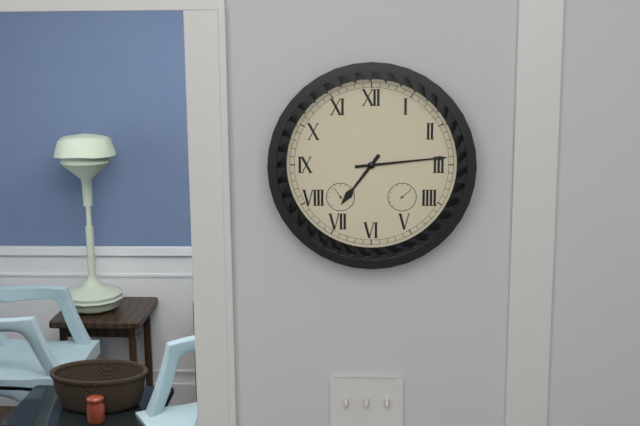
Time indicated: 7:14
